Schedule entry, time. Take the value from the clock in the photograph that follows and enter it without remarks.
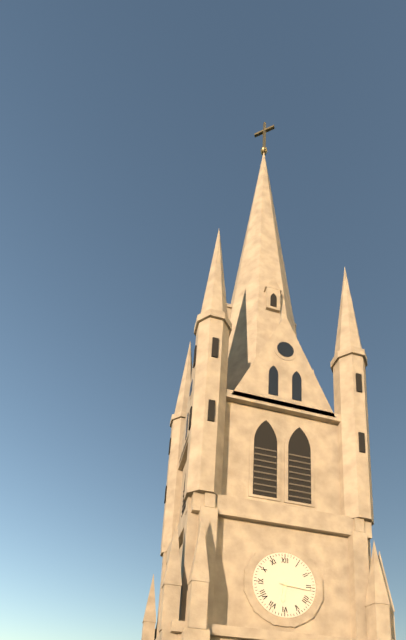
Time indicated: 6:16
